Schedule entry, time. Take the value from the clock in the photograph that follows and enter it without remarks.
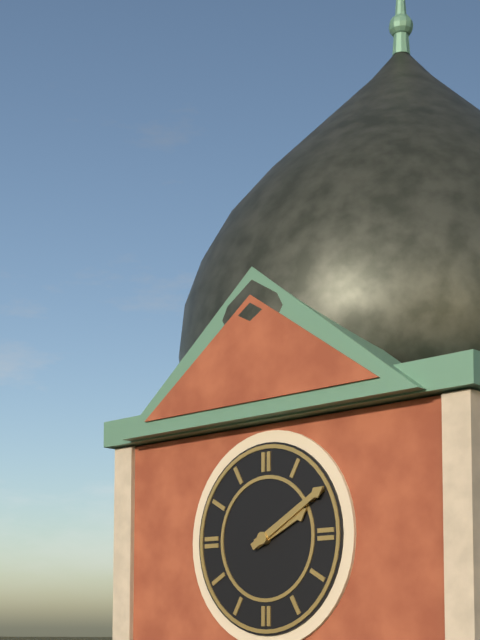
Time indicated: 2:10
